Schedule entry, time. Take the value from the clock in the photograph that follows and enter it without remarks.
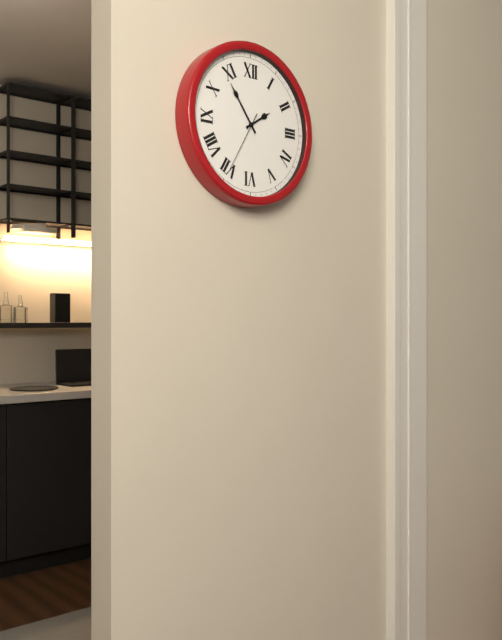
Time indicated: 1:54:35
